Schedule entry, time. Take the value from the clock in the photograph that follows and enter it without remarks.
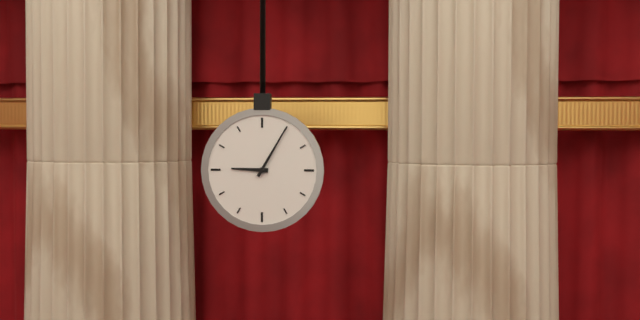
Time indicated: 9:05
